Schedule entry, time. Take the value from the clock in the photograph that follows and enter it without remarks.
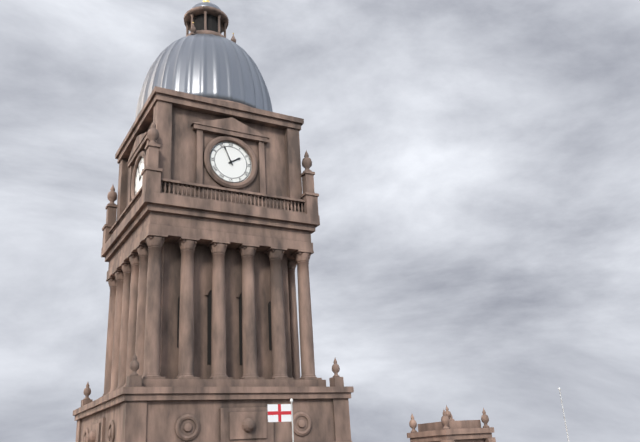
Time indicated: 1:56
